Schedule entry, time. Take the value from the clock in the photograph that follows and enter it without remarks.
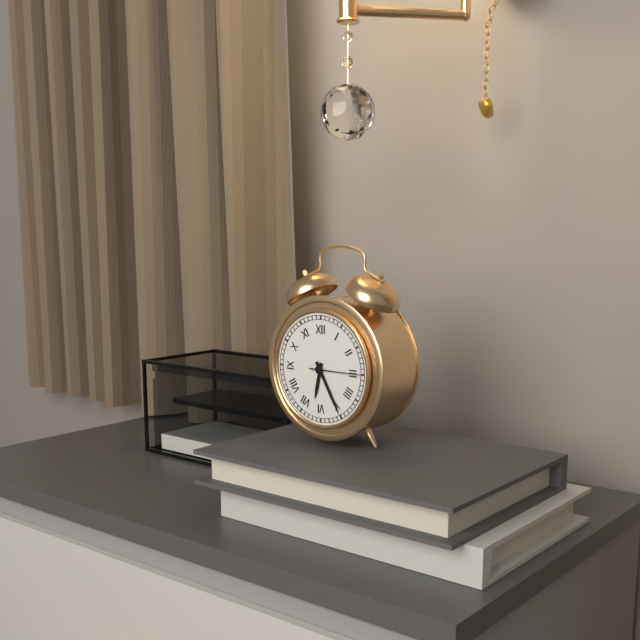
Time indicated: 6:25:15
